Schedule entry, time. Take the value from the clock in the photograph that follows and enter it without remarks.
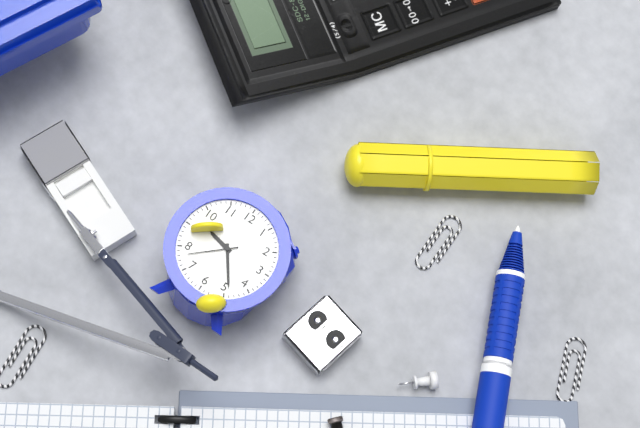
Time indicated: 9:24:38
